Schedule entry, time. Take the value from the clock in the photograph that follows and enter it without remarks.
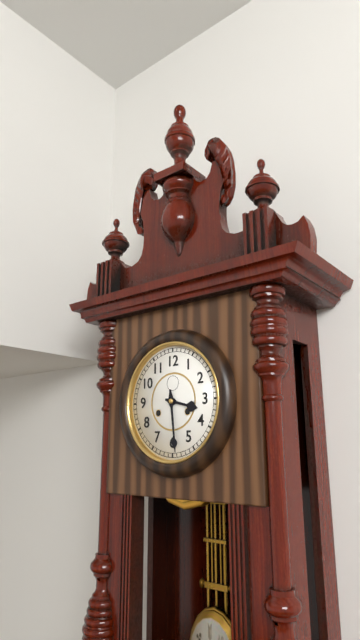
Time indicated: 3:29
